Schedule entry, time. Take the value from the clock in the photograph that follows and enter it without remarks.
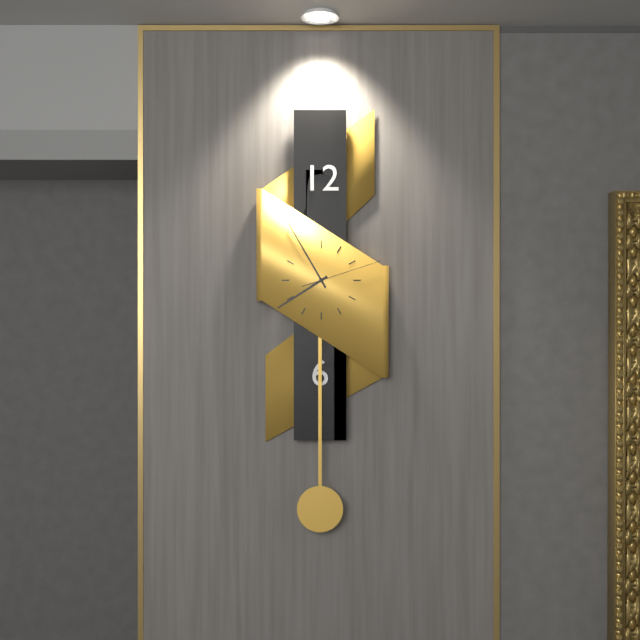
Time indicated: 7:55:12
